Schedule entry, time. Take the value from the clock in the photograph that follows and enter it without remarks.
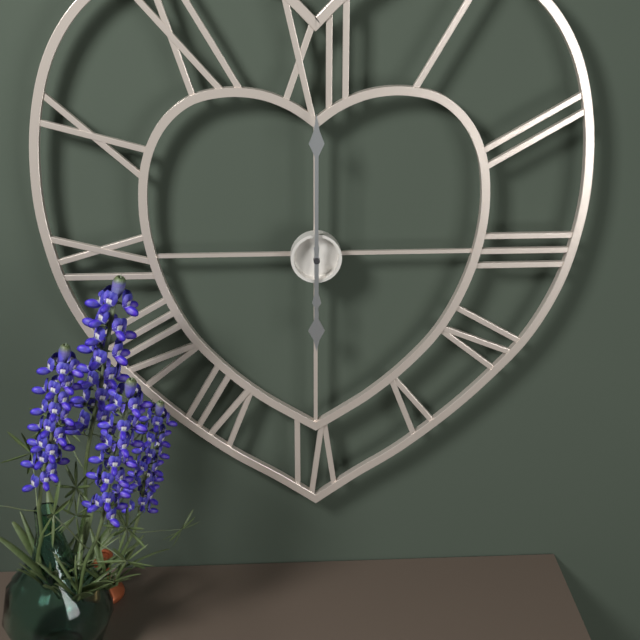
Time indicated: 6:00
